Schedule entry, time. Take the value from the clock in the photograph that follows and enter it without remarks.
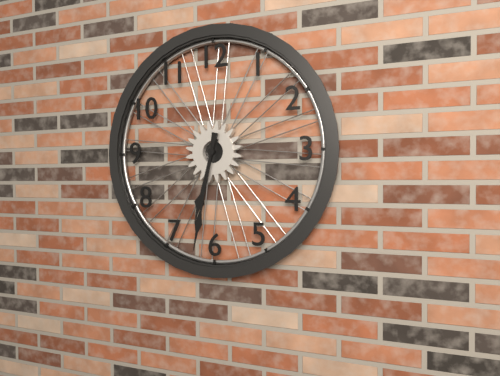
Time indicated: 6:32
